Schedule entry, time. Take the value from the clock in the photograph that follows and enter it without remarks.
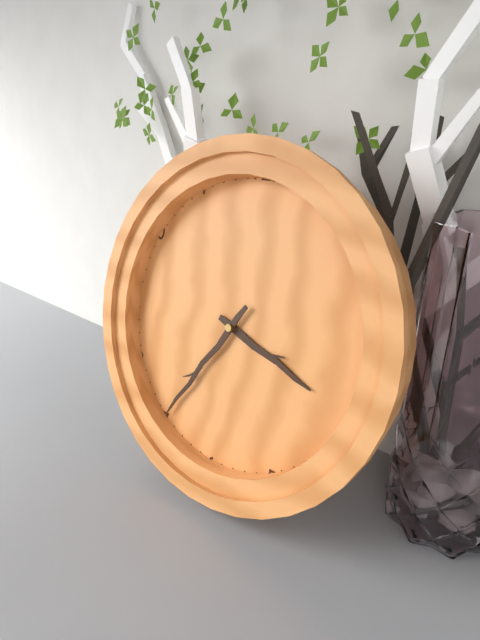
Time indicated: 3:35
